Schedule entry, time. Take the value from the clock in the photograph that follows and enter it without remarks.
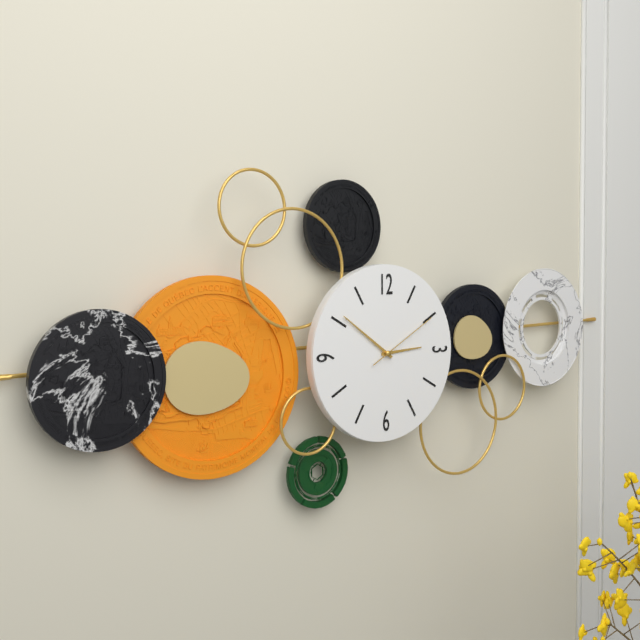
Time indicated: 2:51:10
